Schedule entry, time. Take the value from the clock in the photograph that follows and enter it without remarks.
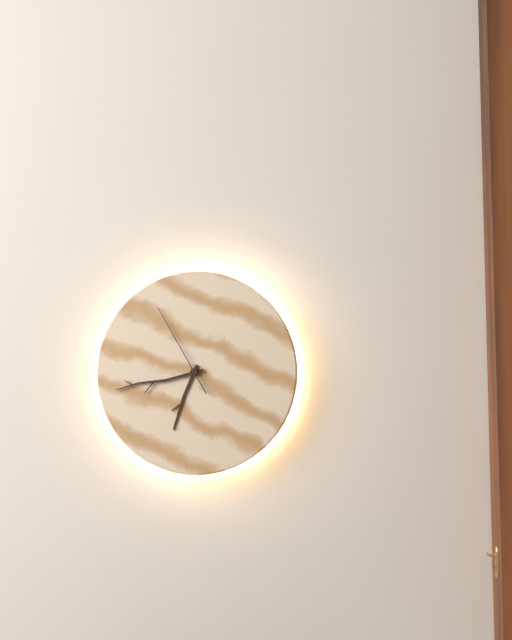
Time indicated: 6:43:55
